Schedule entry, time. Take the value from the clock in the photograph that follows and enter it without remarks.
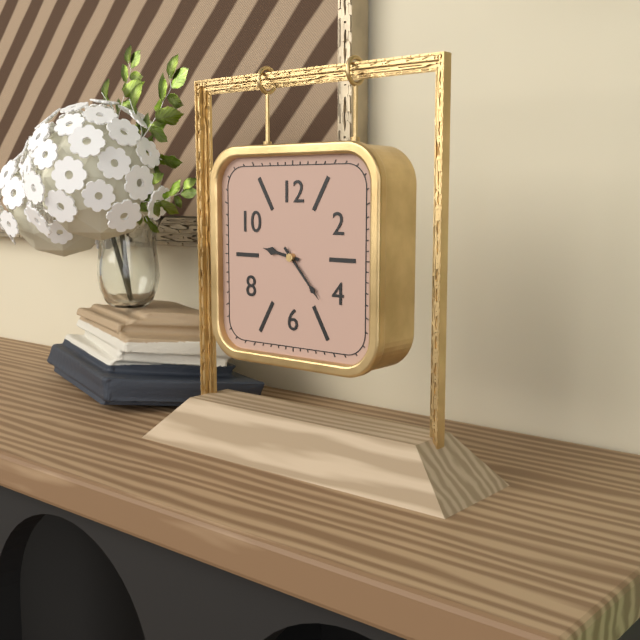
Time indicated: 9:23
